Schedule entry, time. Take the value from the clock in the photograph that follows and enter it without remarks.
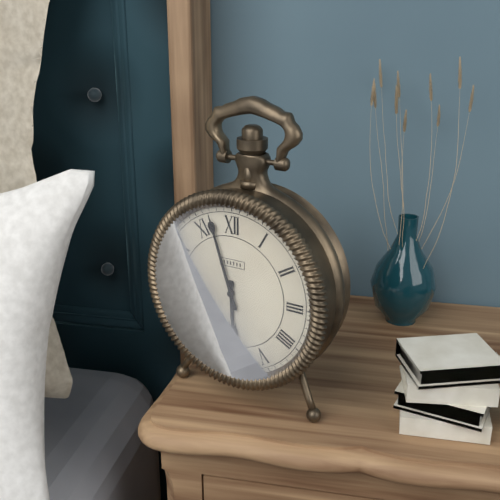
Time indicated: 5:57
